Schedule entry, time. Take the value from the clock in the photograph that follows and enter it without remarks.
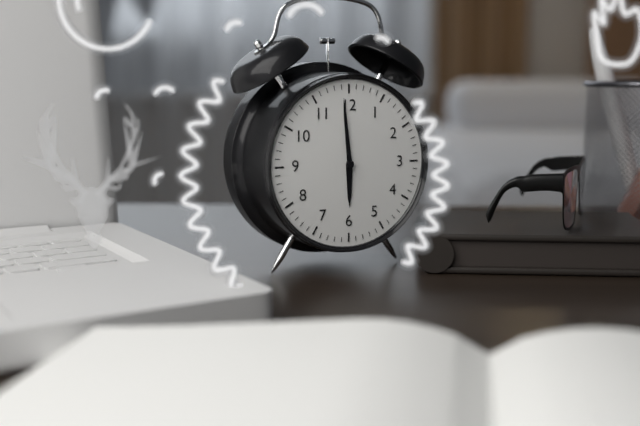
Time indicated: 5:59
